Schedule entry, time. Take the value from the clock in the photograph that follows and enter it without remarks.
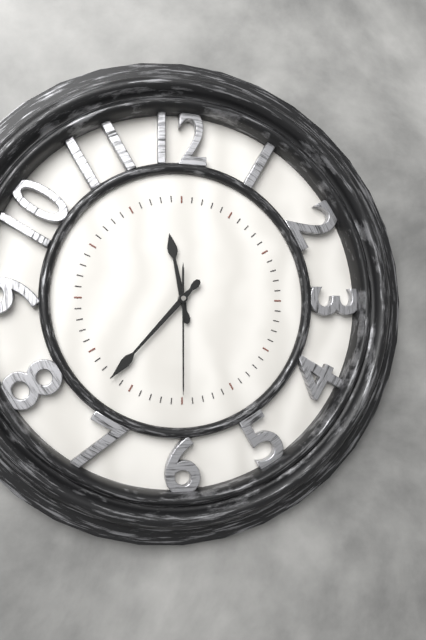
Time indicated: 11:37:30
